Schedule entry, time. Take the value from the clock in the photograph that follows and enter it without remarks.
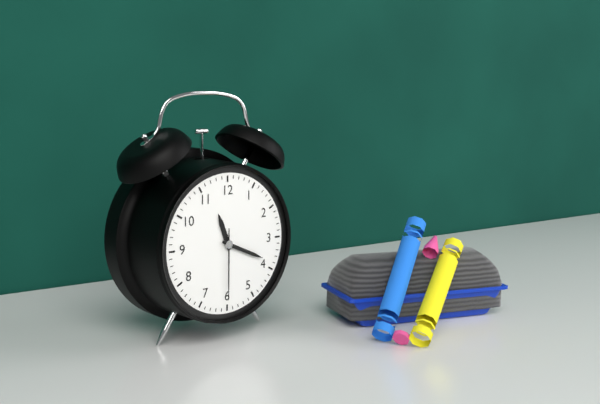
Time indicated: 11:19:30
